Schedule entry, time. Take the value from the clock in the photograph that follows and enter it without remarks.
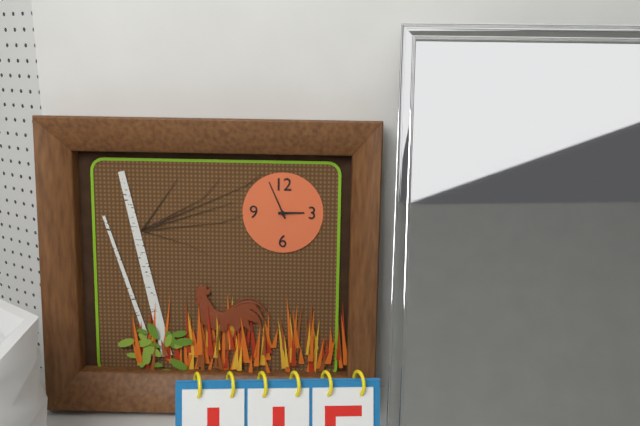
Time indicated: 2:56
